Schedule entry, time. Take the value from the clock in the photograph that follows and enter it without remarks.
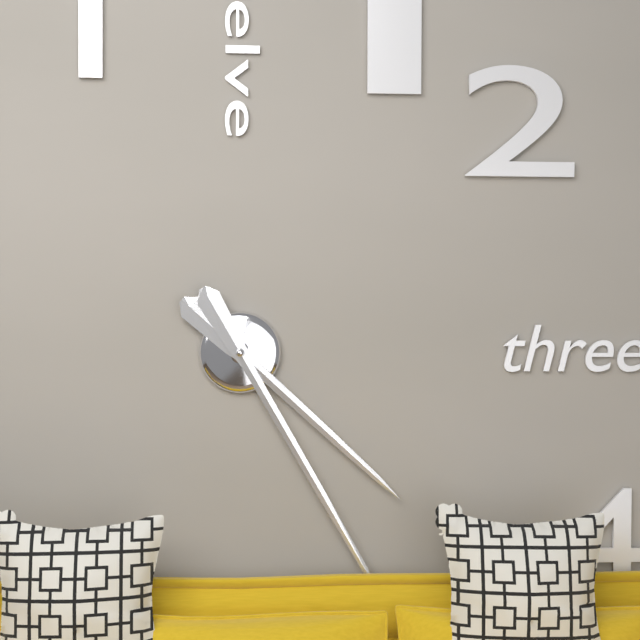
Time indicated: 4:25
